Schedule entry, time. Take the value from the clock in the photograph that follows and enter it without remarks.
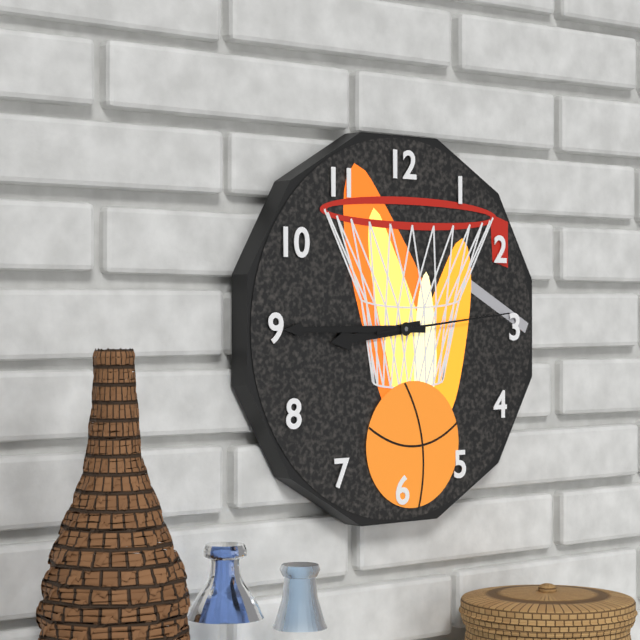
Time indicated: 8:45:14
